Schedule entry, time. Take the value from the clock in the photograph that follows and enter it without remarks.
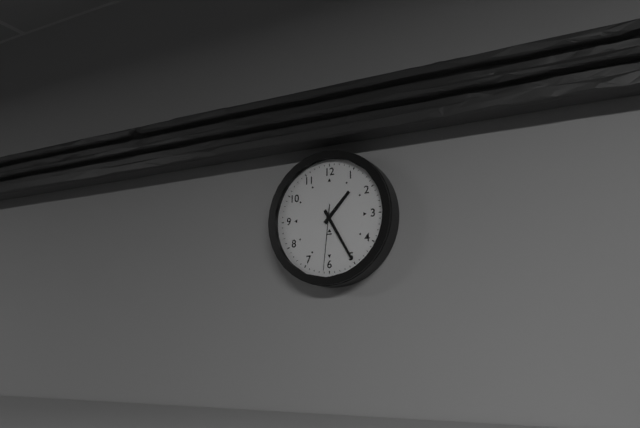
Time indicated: 1:25:31
